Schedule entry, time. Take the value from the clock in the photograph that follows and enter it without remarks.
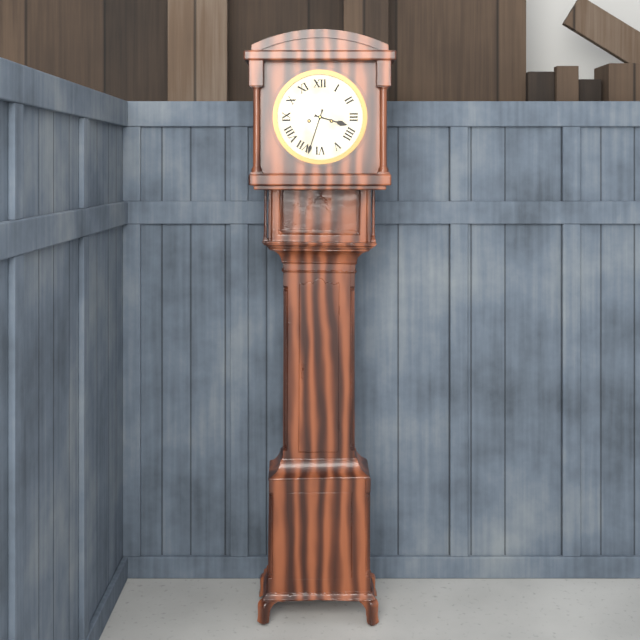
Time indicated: 3:33
